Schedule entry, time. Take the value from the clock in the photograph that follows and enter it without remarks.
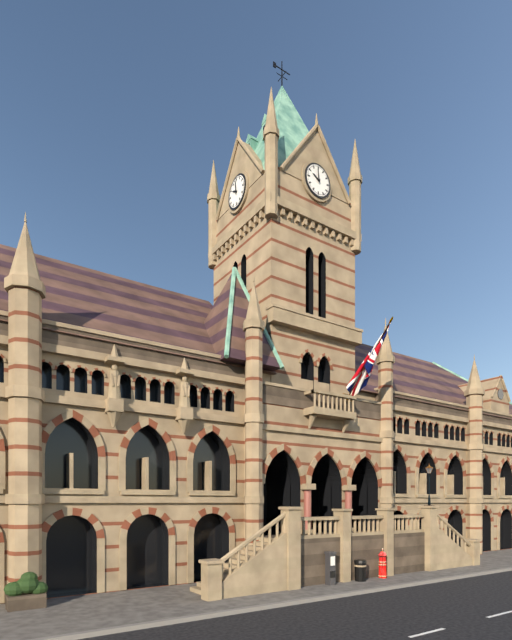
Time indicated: 9:59
